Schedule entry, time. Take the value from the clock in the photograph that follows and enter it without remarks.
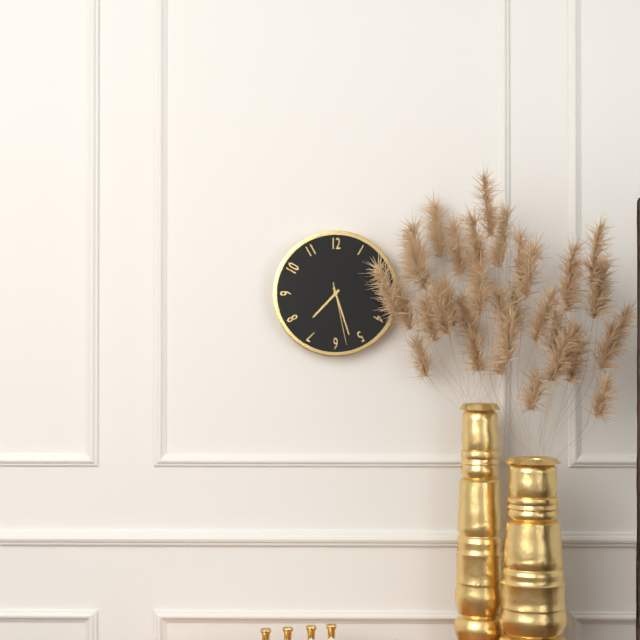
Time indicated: 7:27:28
